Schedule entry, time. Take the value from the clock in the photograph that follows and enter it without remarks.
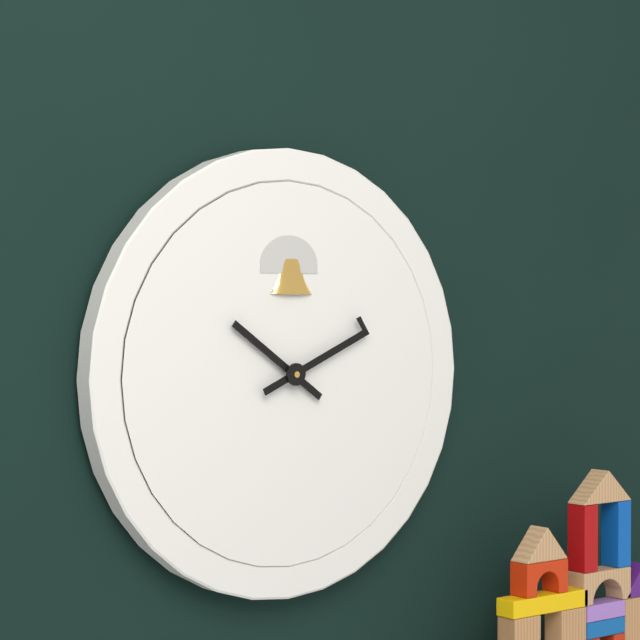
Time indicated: 10:11
